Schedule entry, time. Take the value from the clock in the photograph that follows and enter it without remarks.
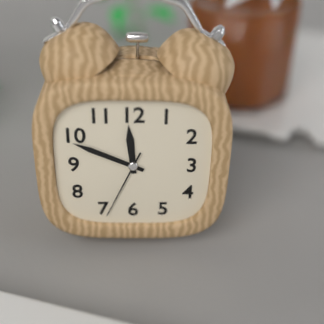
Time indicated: 11:49:34
